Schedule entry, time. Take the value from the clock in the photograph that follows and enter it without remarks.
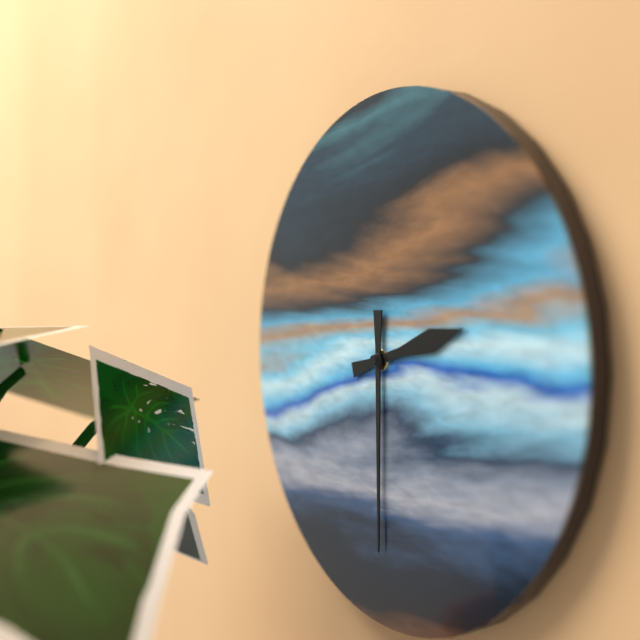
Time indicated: 2:30
